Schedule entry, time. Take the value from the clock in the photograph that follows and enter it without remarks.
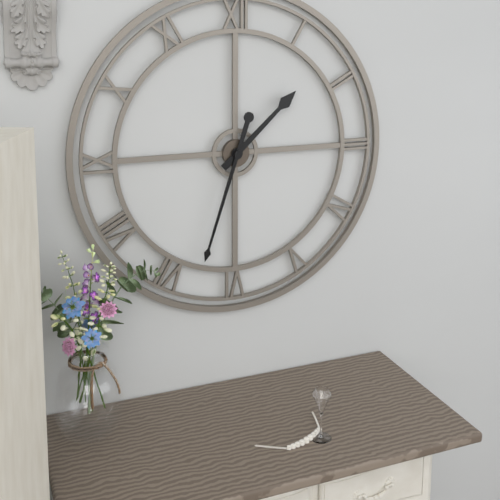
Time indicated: 1:33
